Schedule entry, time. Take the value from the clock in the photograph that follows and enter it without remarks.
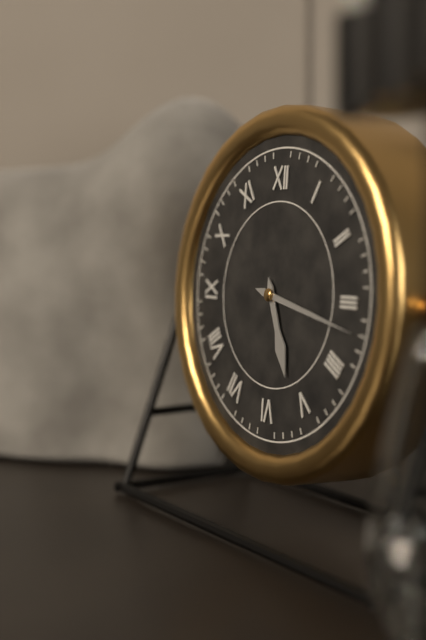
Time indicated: 5:17
